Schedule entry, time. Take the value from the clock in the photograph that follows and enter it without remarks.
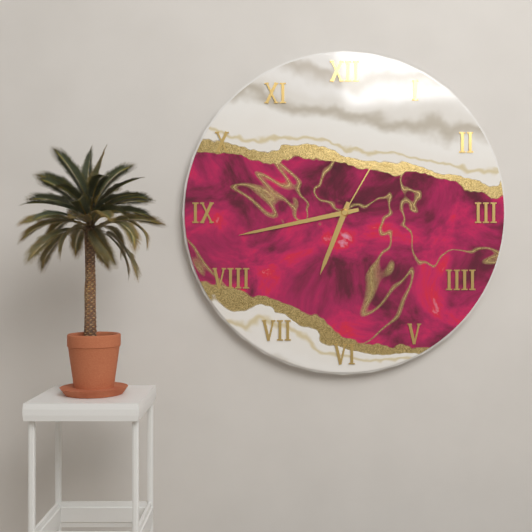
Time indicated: 6:43:05
